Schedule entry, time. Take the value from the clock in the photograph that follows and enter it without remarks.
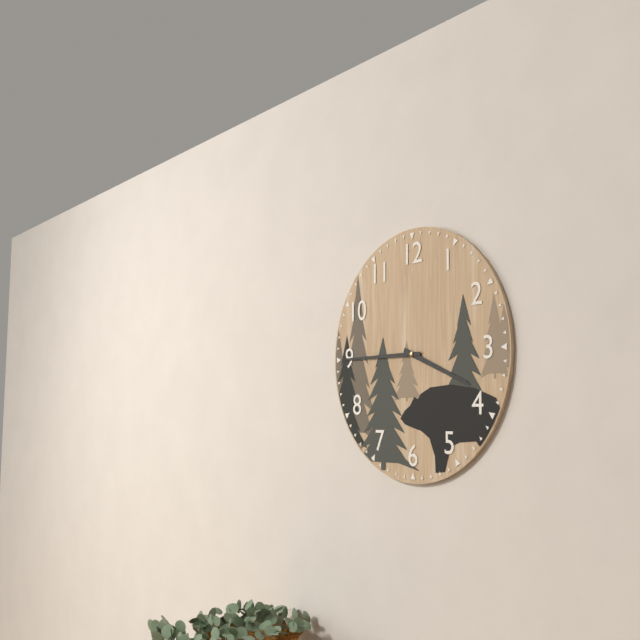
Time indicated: 3:45
